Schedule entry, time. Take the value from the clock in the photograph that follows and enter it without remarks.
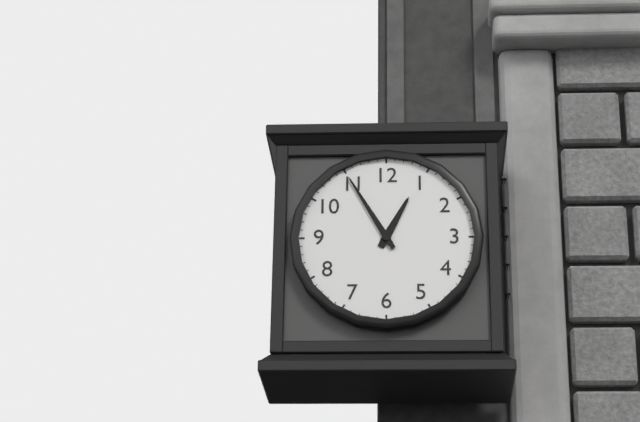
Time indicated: 12:55
